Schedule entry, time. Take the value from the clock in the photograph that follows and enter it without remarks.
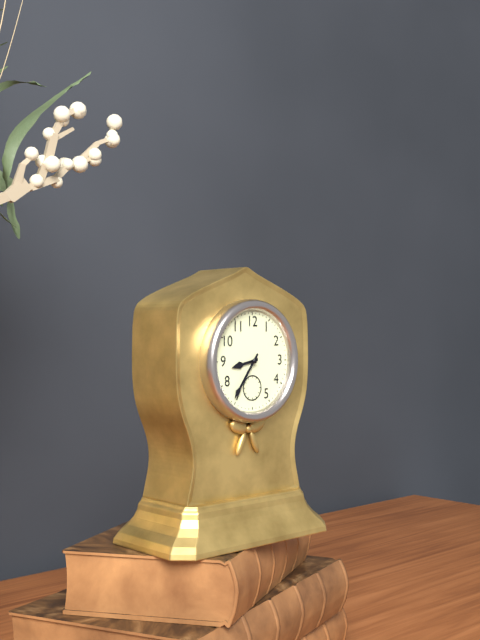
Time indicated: 8:36
